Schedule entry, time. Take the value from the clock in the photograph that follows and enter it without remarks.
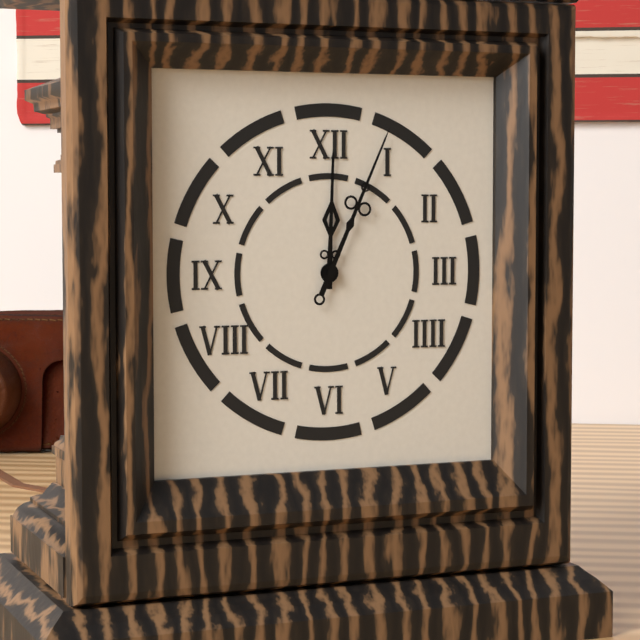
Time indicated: 12:04
